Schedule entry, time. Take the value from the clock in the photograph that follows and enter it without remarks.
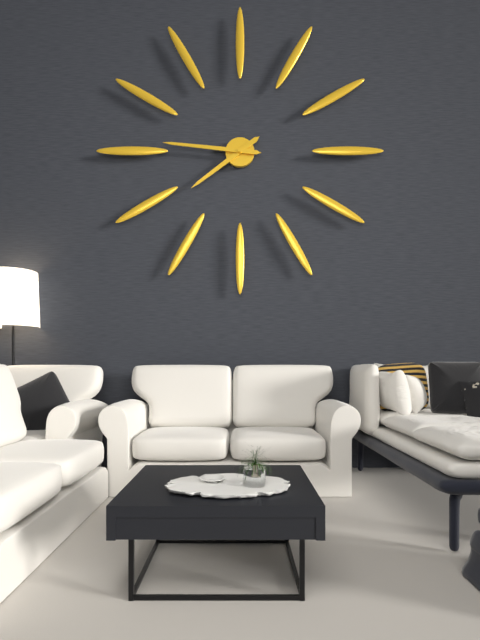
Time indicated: 7:46
